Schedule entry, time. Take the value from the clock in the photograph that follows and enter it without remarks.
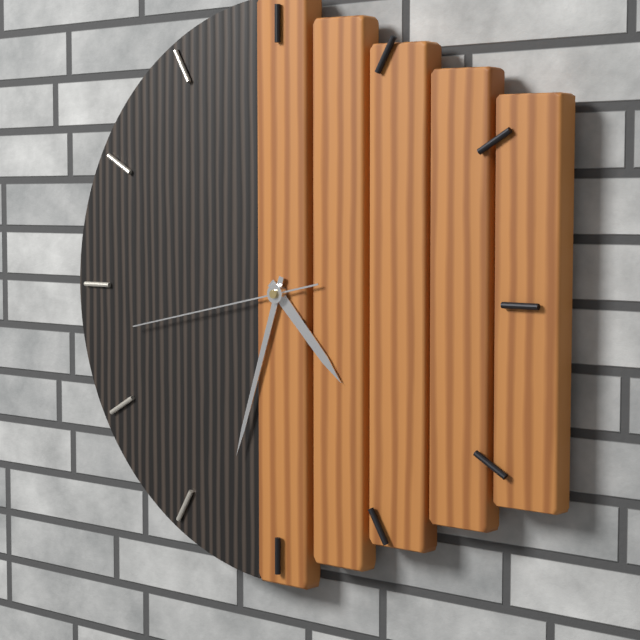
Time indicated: 4:33:43
